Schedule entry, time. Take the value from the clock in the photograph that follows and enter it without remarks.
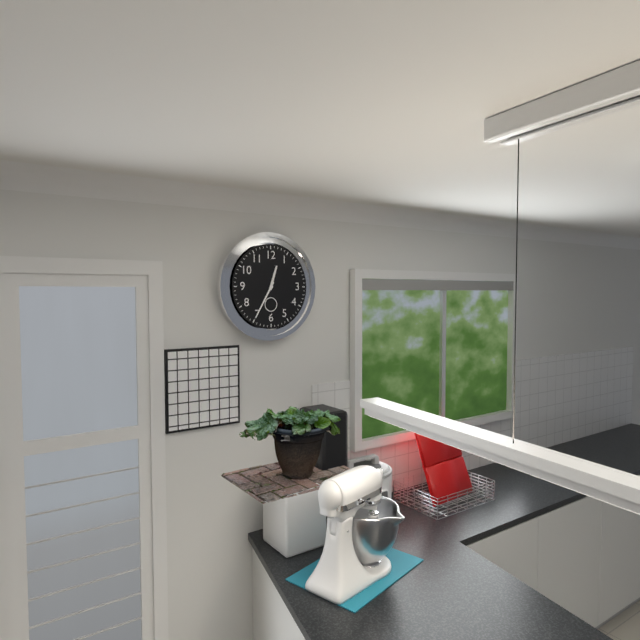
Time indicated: 12:35
